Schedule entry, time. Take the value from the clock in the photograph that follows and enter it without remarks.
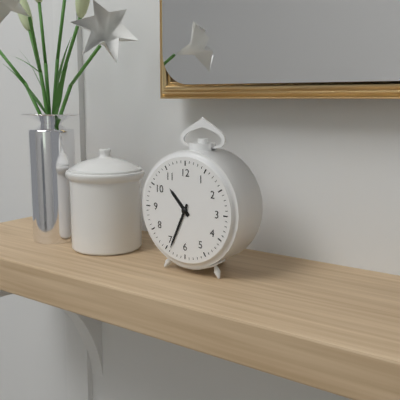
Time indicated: 10:34
